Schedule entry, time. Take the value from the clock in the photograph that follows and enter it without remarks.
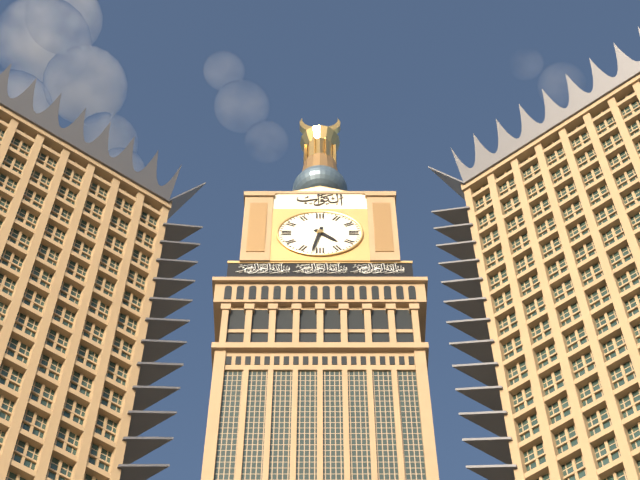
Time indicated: 4:32
